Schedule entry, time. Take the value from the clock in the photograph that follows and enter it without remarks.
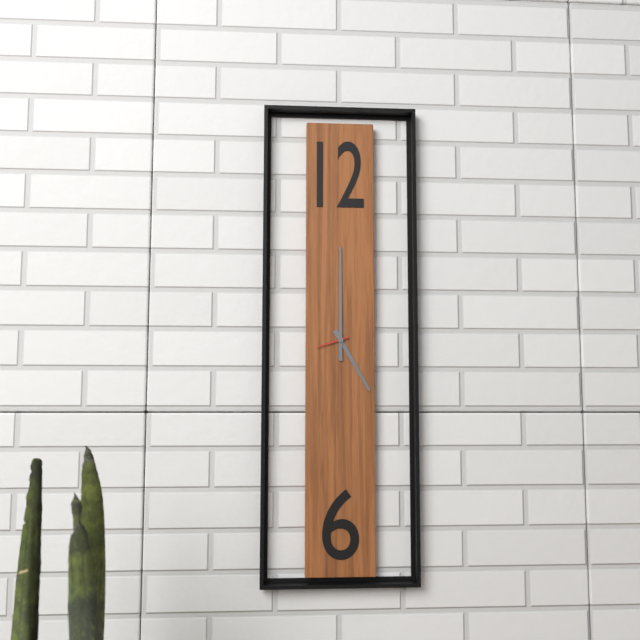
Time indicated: 5:00
